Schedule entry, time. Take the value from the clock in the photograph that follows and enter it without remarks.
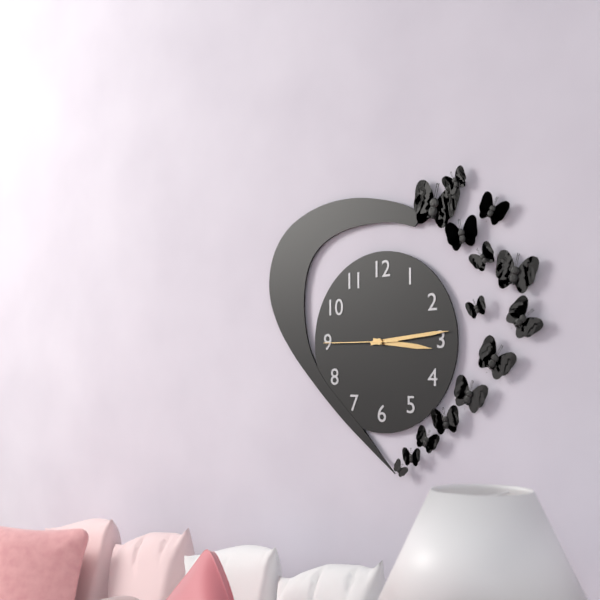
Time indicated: 3:14:45
